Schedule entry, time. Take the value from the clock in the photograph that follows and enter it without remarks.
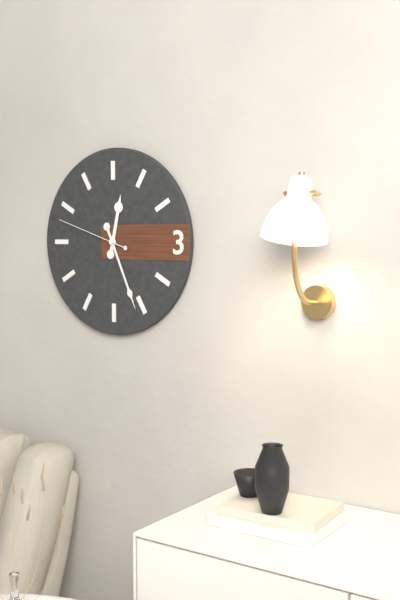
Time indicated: 12:26:48
